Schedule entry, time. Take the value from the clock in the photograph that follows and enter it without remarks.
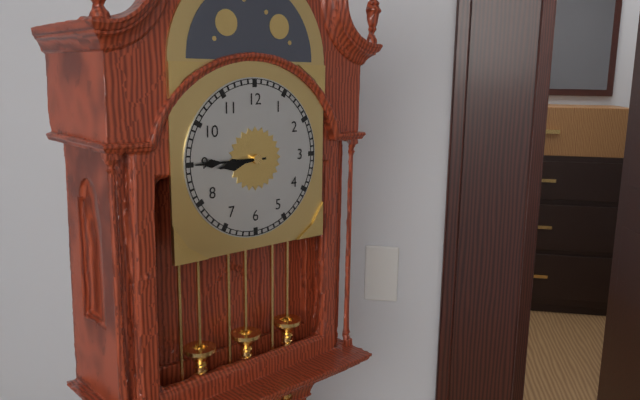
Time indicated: 8:45
